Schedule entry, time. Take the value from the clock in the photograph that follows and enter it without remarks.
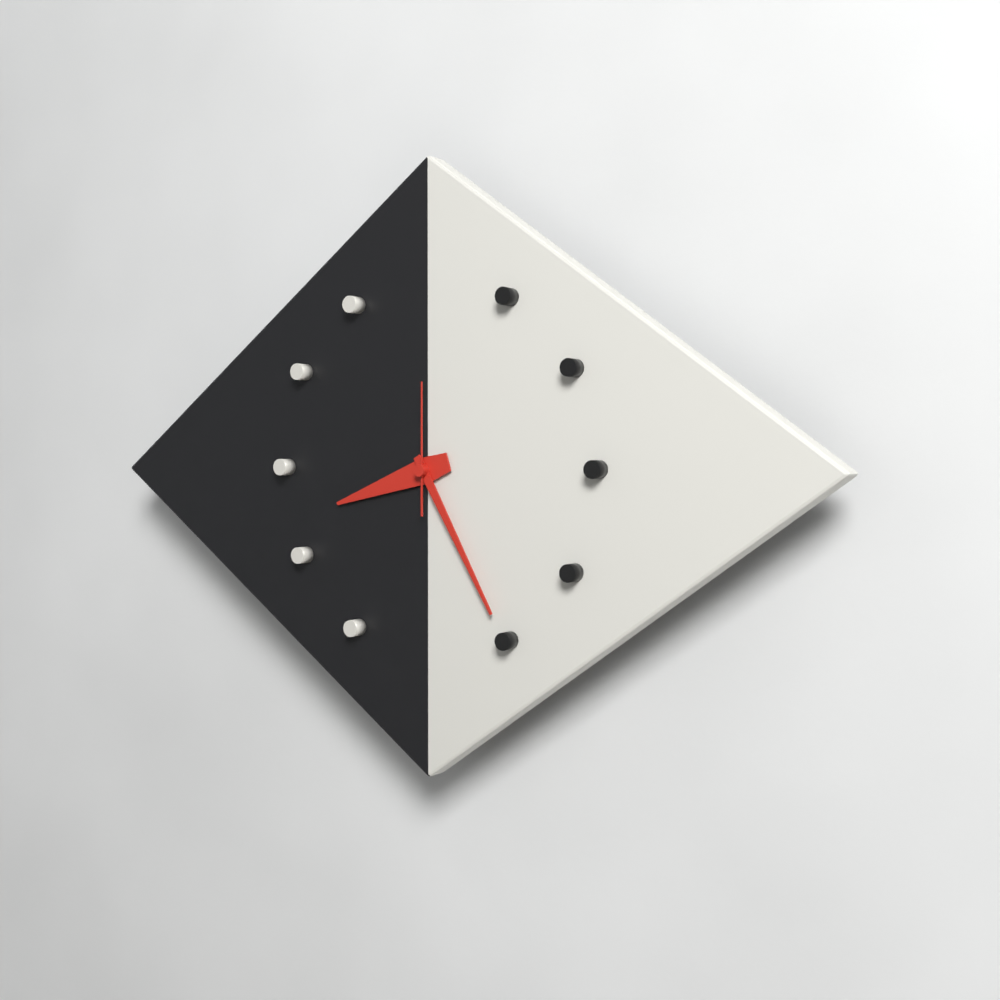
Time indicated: 8:25:00
